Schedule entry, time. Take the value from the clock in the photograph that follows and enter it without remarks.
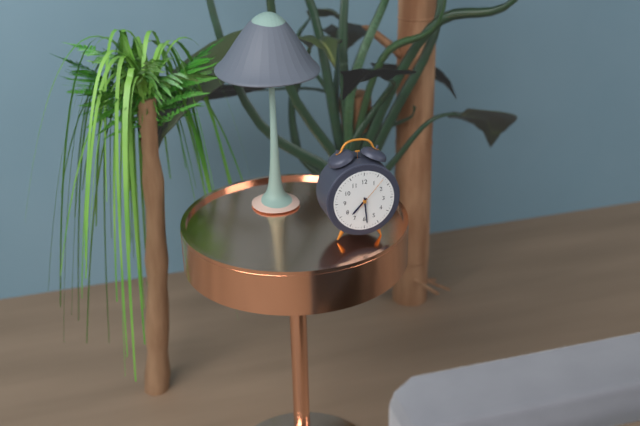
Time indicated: 7:29
